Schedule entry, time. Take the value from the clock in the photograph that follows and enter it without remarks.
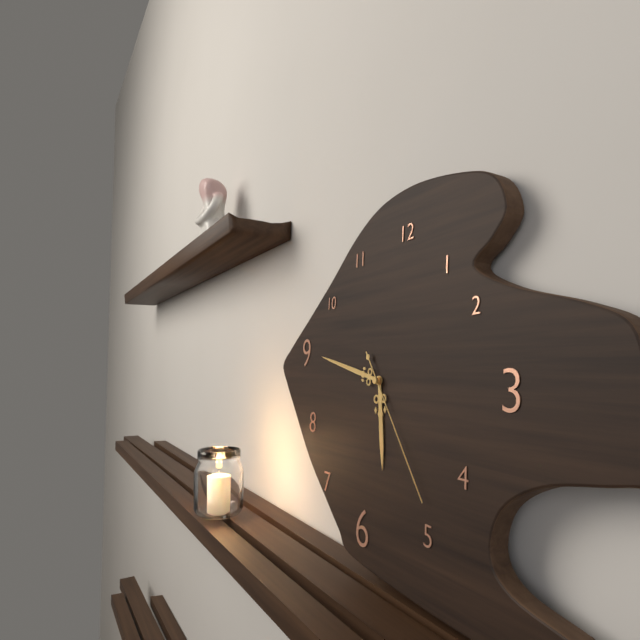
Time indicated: 5:47:24
